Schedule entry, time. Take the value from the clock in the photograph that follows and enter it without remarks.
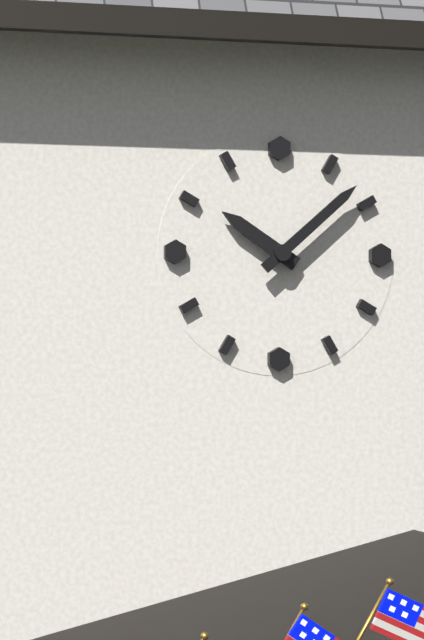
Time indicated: 10:08
